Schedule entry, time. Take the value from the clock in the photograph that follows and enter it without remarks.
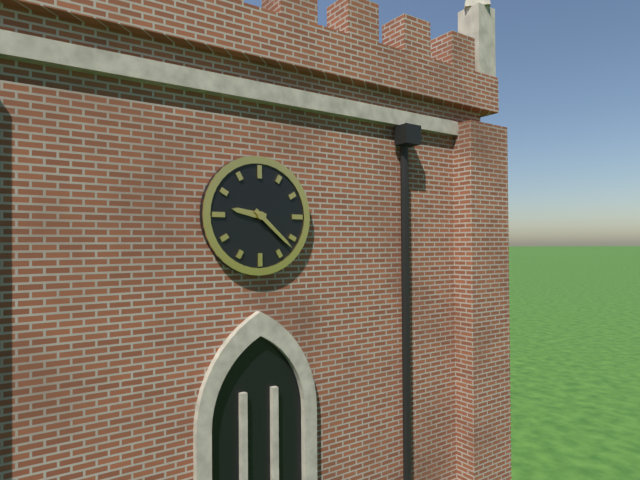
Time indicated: 9:22
